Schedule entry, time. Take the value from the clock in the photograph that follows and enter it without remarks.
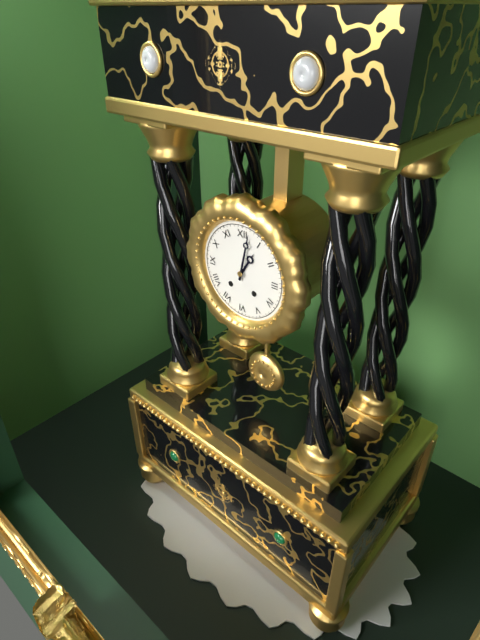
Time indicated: 1:02
